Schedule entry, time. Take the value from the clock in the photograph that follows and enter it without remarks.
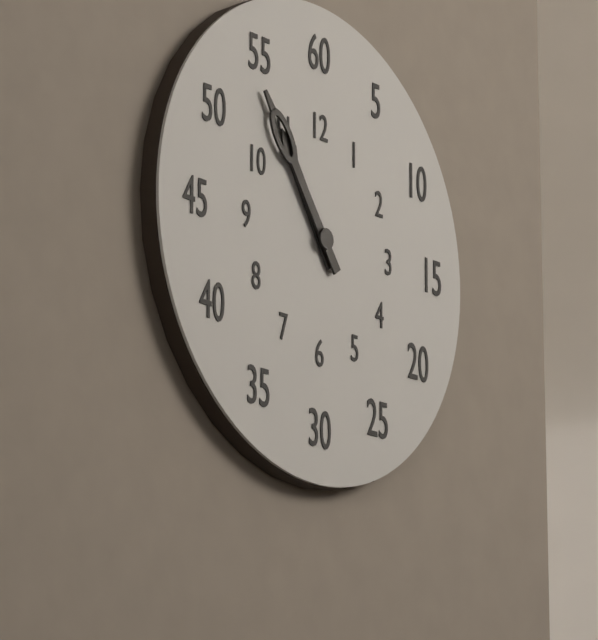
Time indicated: 10:54
